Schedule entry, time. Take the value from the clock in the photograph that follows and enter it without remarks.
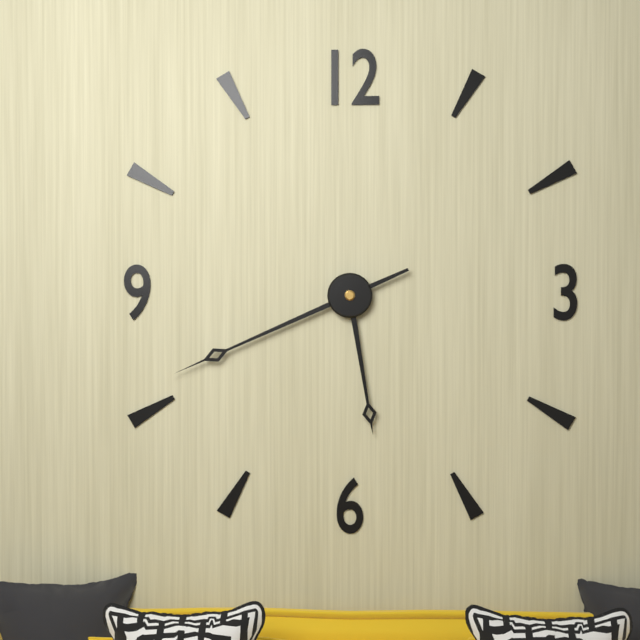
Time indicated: 5:41
